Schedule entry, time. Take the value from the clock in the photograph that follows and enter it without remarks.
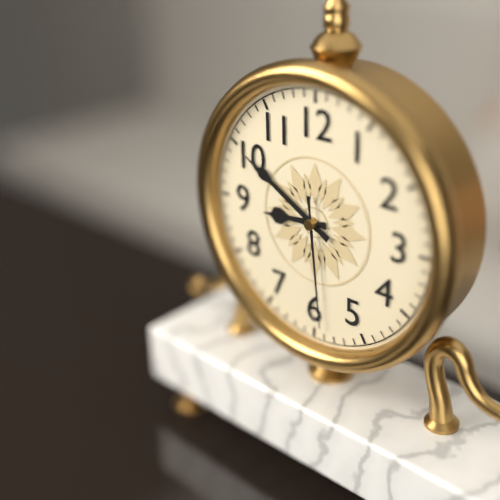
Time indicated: 8:50:29
